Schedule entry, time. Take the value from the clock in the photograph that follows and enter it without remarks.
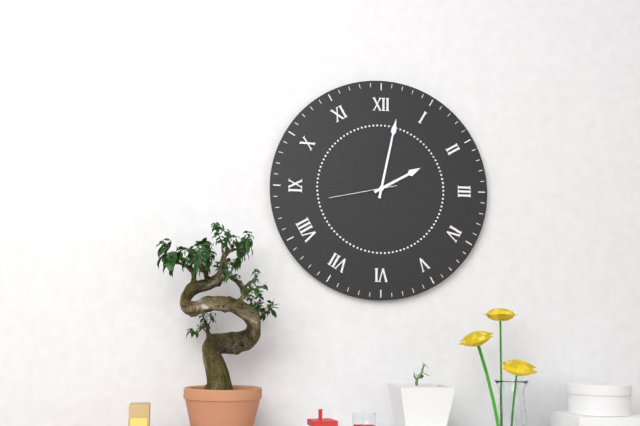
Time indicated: 2:02:43
